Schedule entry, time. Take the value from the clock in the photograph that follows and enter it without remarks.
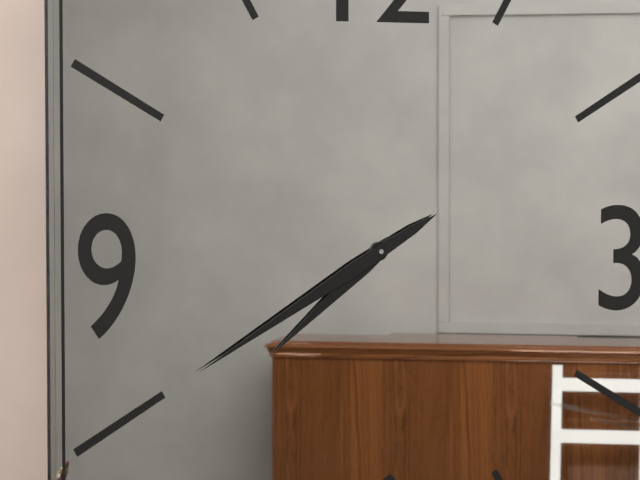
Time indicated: 7:40
